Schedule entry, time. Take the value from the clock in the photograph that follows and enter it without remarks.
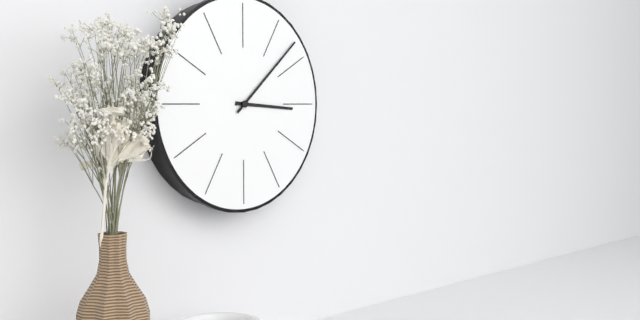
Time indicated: 3:08
